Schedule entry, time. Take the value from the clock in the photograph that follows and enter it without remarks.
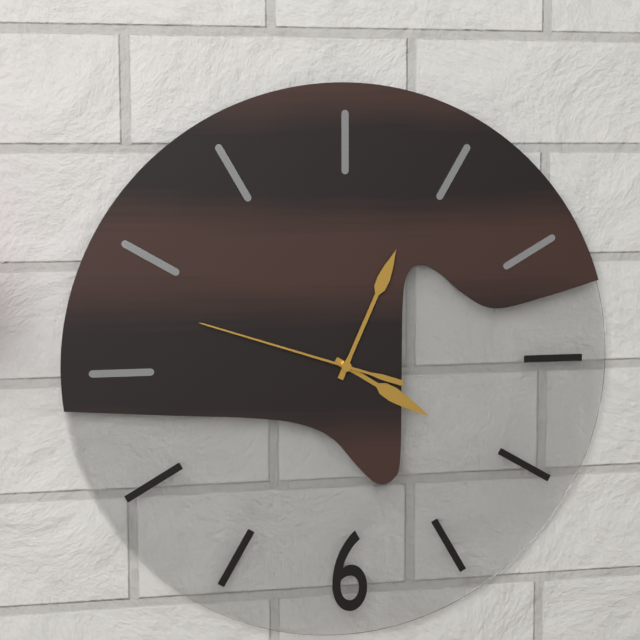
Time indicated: 4:04:48
